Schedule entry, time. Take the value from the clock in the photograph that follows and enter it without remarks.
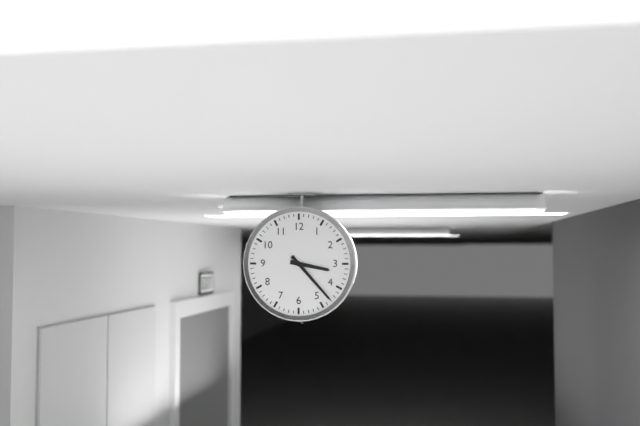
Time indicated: 3:23
